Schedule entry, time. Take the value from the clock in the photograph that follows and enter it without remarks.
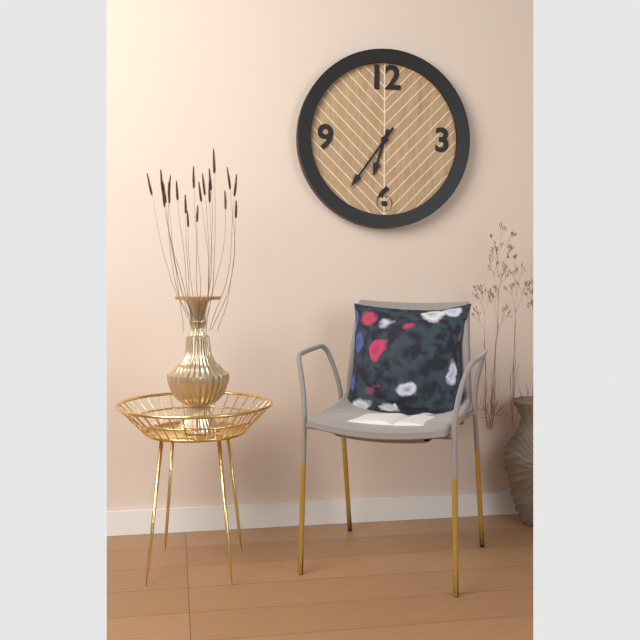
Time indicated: 6:36
